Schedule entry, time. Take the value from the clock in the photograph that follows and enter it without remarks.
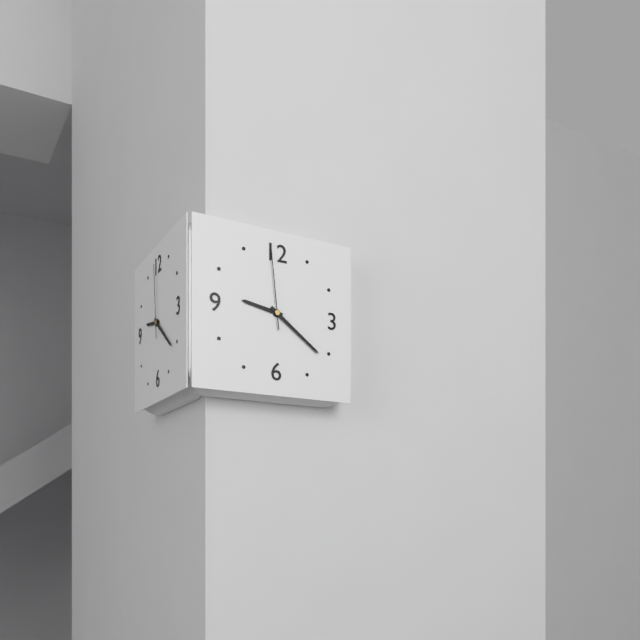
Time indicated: 9:21:59
